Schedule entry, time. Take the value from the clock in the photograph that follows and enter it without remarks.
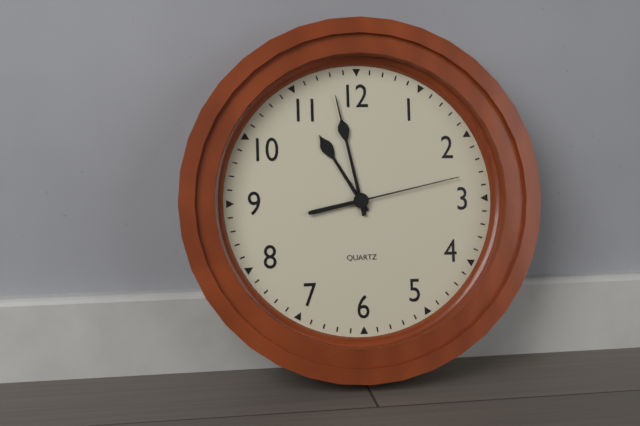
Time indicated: 10:58:13
